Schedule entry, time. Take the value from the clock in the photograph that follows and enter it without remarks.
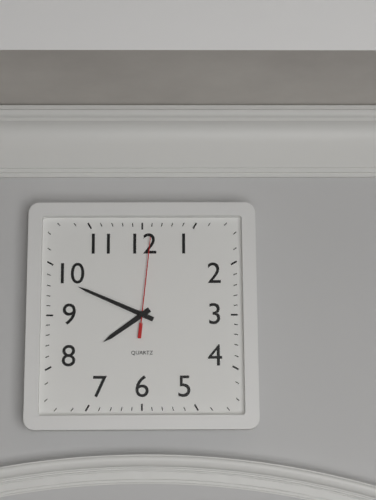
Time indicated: 7:49:01
